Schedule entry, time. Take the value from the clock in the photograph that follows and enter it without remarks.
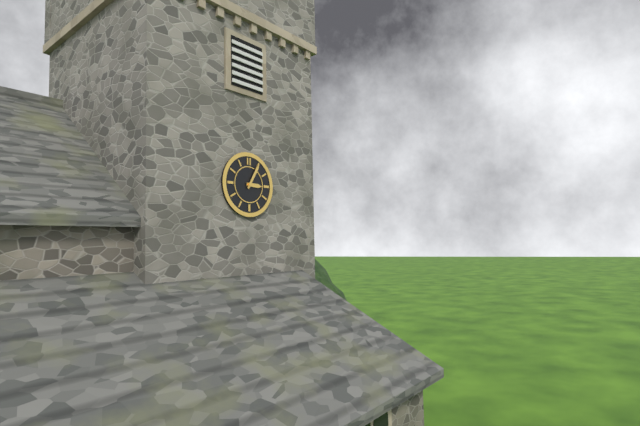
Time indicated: 3:05
